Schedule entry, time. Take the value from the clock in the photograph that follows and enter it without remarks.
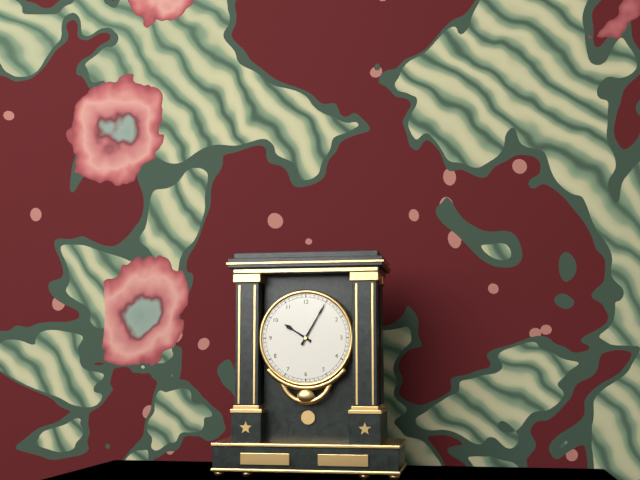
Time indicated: 10:05
